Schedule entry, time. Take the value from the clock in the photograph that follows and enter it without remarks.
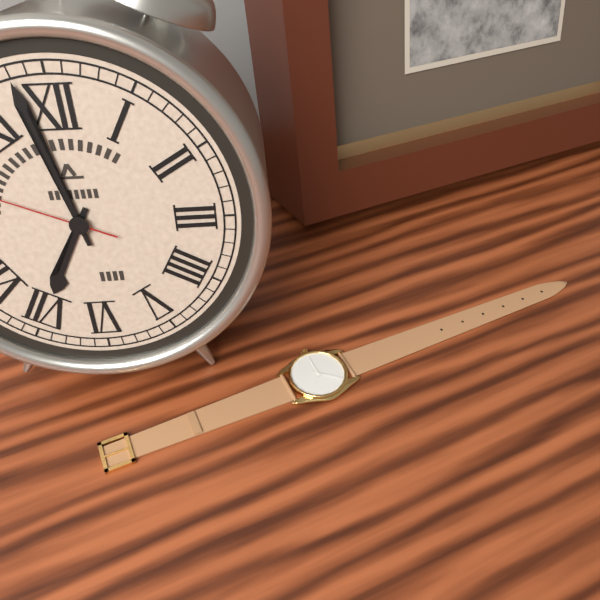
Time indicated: 6:58
